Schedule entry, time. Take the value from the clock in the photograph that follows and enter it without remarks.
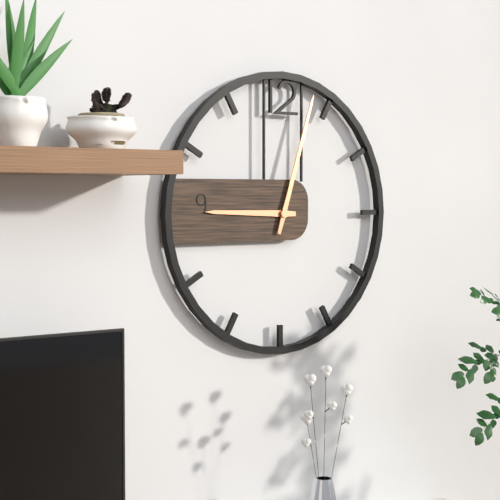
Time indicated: 9:03
